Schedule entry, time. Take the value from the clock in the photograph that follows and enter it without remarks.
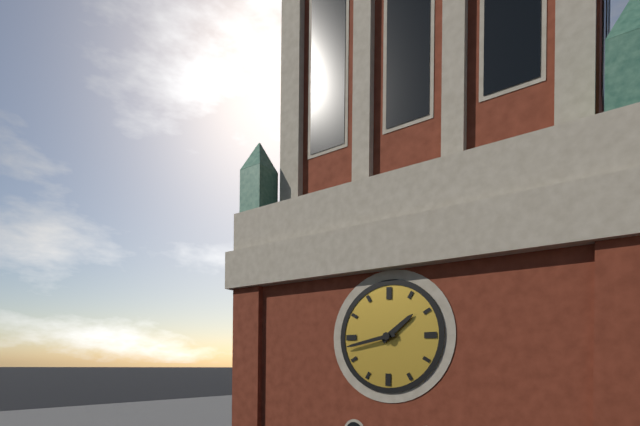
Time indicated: 1:43
